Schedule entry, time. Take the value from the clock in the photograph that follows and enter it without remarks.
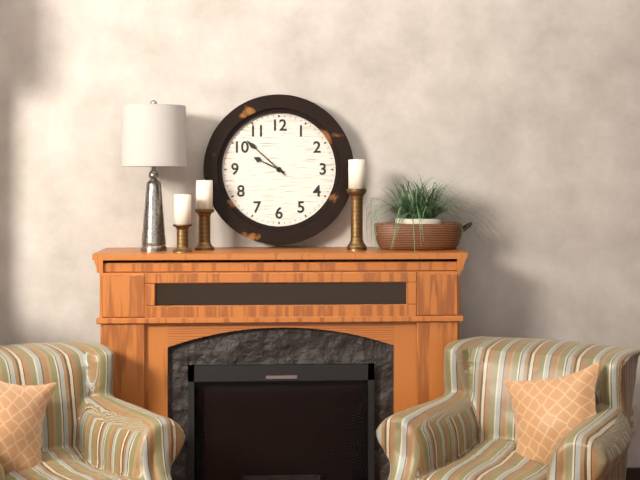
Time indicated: 9:52
